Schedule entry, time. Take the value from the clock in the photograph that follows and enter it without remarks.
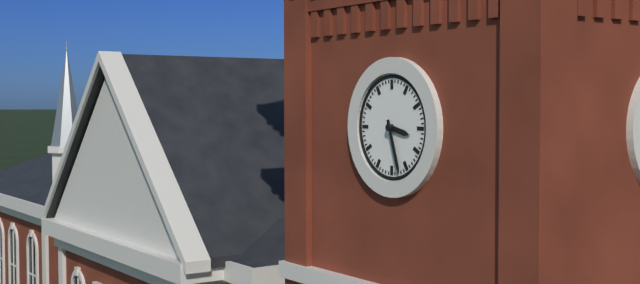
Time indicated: 3:27
